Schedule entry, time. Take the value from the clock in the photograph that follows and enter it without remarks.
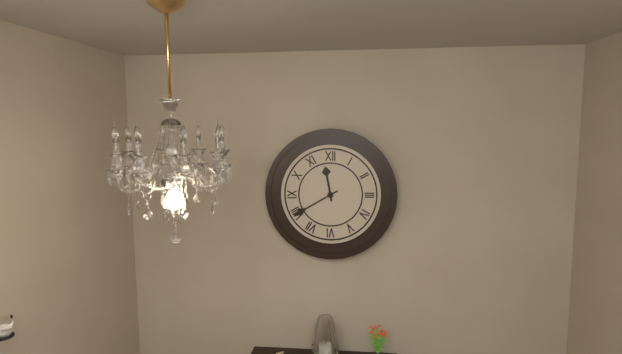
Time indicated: 11:40
